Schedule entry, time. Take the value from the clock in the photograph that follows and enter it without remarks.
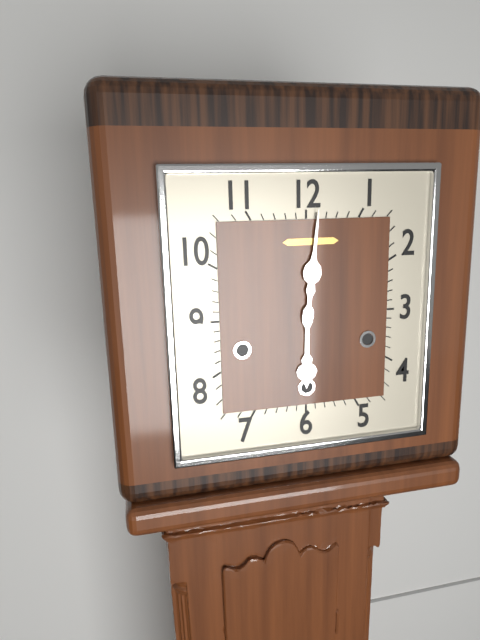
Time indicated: 6:01
